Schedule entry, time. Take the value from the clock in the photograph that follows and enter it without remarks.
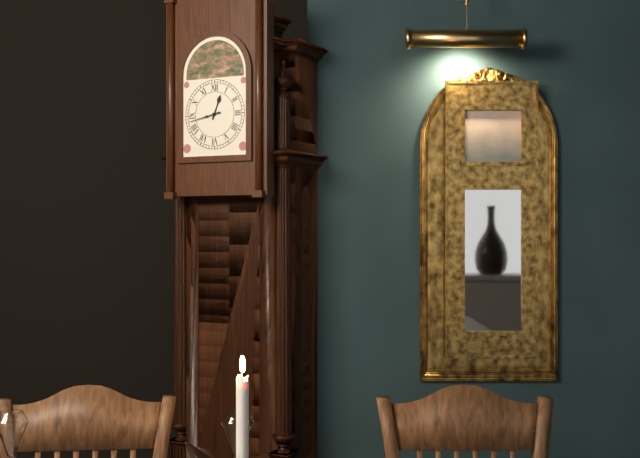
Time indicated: 12:43
